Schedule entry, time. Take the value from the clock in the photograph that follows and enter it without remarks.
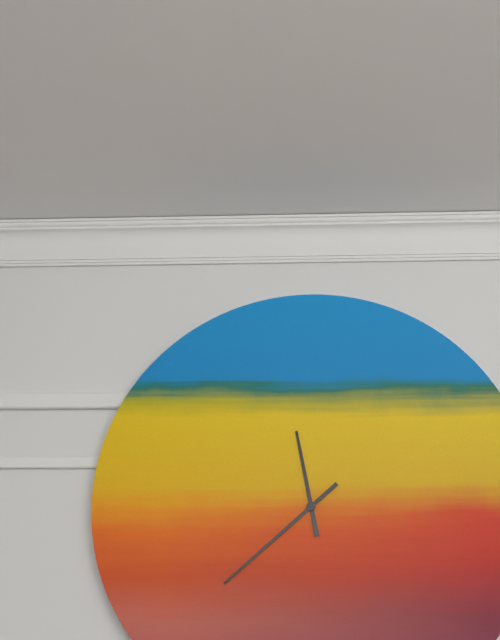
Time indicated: 11:38
